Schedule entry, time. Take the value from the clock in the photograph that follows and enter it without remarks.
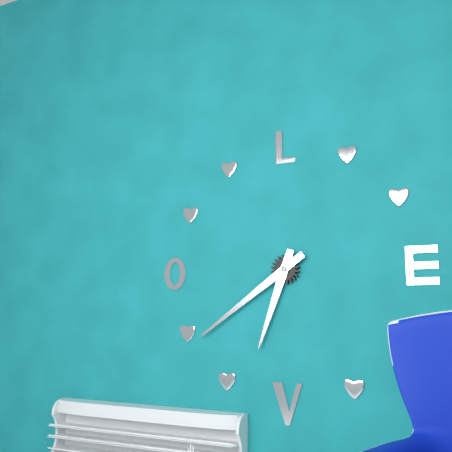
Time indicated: 6:39
